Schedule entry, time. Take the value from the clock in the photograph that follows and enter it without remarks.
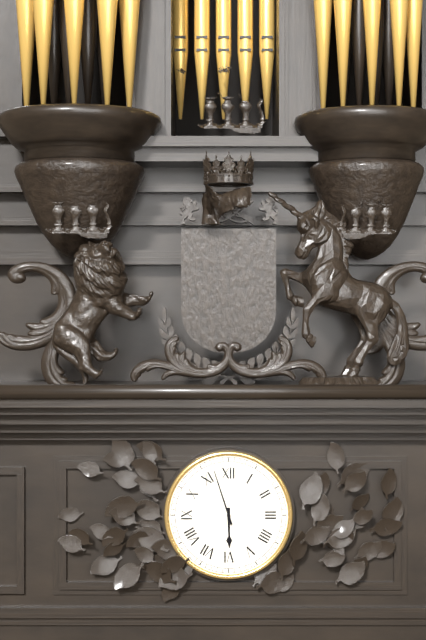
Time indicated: 5:57
